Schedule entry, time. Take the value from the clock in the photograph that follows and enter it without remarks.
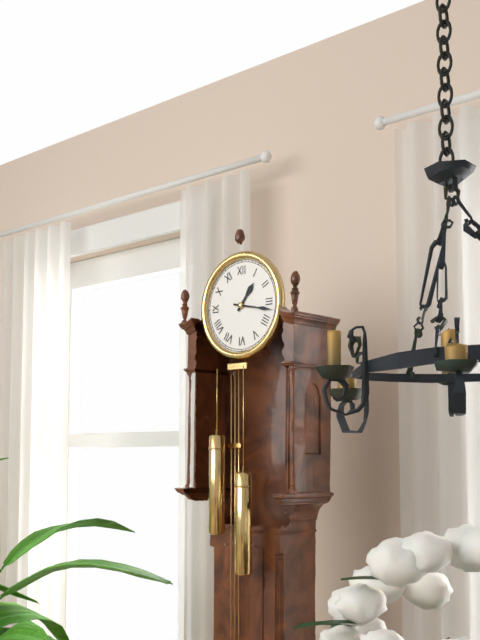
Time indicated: 1:17
